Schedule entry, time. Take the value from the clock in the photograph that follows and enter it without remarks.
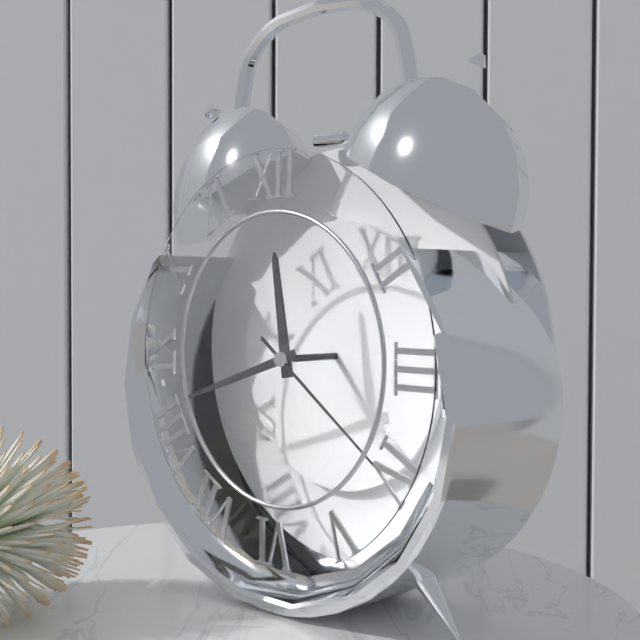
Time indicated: 11:42:21
